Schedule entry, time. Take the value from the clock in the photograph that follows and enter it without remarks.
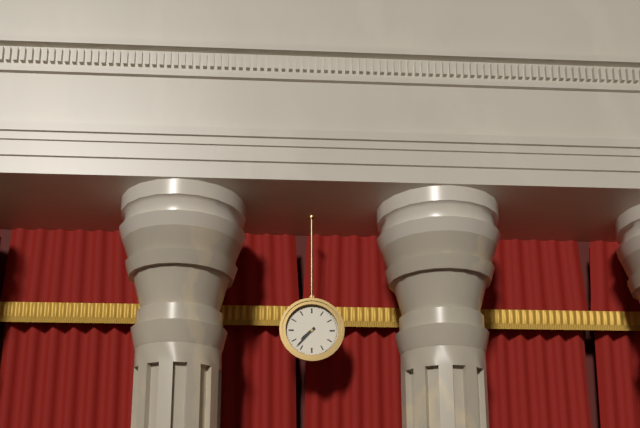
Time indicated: 7:37
